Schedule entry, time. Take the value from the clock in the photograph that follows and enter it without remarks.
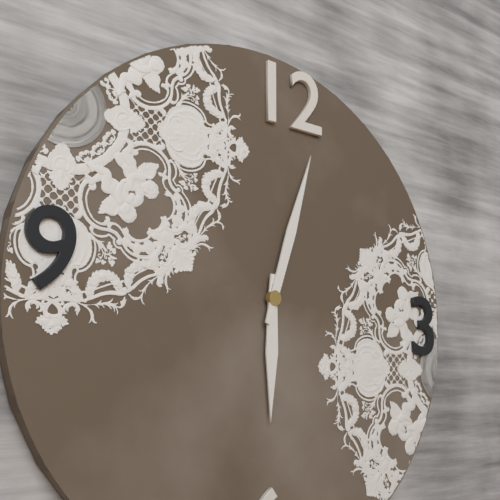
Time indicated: 6:03
